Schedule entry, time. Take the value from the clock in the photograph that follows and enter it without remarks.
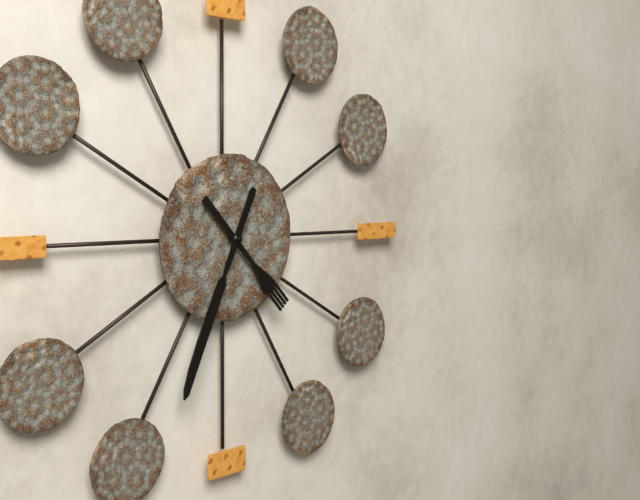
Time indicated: 4:34
